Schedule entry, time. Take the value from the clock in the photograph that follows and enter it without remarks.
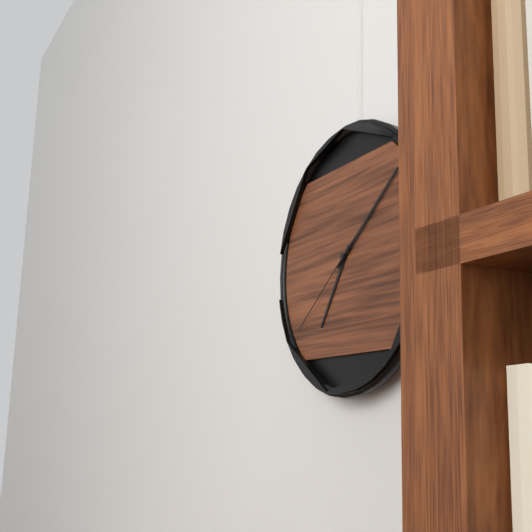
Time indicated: 7:09:39
